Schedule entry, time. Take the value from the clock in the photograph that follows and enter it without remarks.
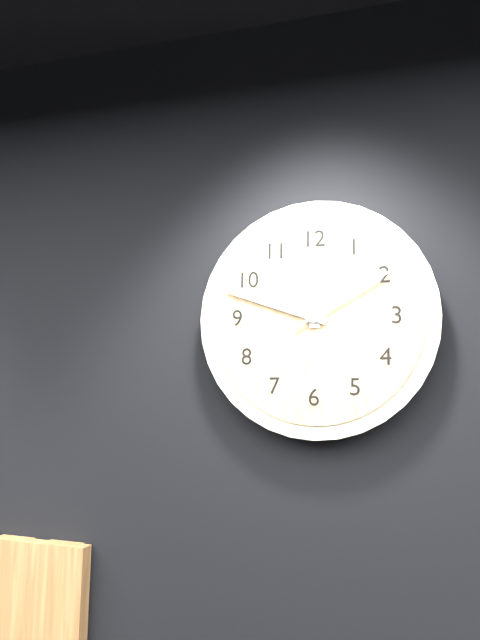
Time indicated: 11:48:10
